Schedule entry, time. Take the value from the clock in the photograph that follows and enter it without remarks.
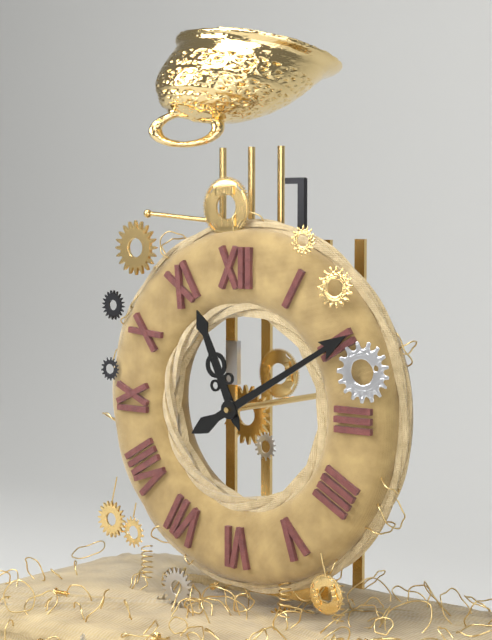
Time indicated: 11:10
